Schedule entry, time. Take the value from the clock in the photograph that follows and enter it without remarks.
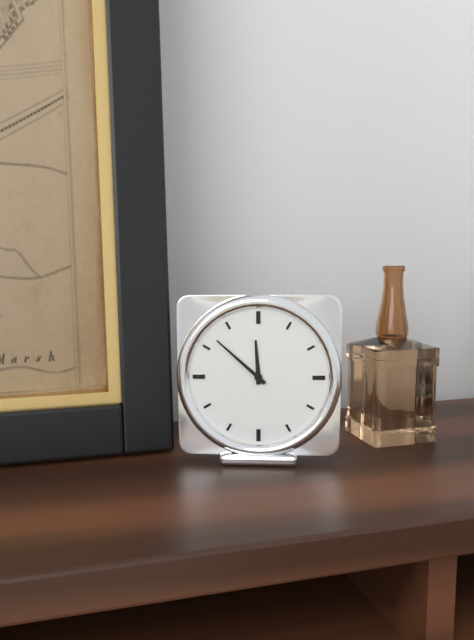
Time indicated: 11:52
